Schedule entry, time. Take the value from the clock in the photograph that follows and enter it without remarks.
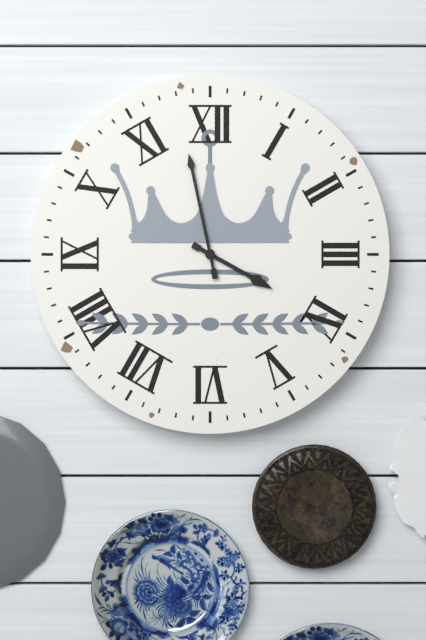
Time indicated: 3:58
